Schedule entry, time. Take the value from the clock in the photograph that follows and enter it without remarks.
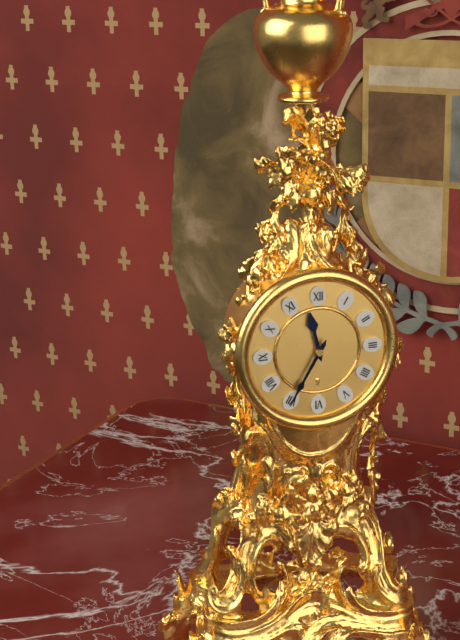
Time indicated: 11:35
